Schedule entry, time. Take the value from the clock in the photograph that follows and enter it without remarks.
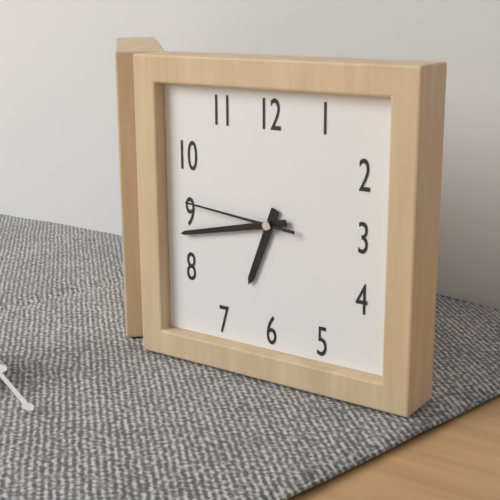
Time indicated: 6:43:46
